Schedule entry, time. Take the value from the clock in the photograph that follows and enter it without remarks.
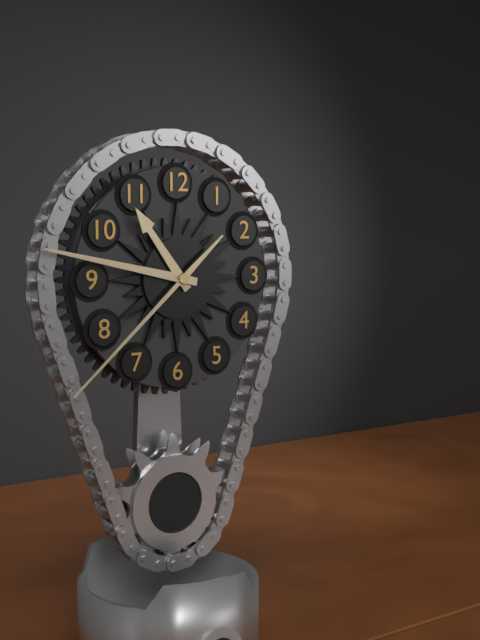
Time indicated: 10:47:38
